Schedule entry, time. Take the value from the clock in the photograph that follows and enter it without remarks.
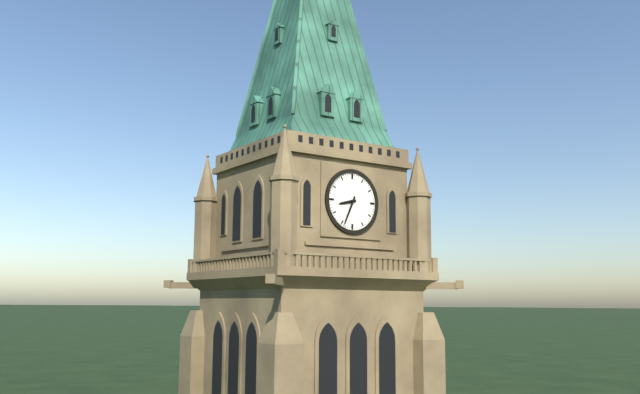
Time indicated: 8:34
